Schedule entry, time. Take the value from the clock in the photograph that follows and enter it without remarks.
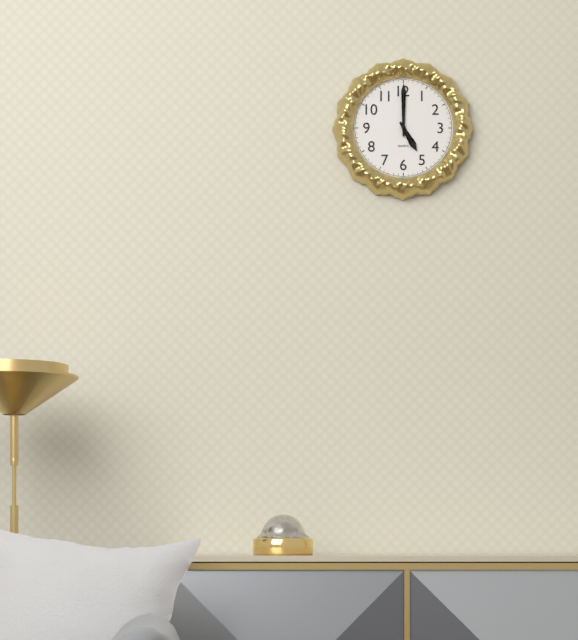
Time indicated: 5:00
